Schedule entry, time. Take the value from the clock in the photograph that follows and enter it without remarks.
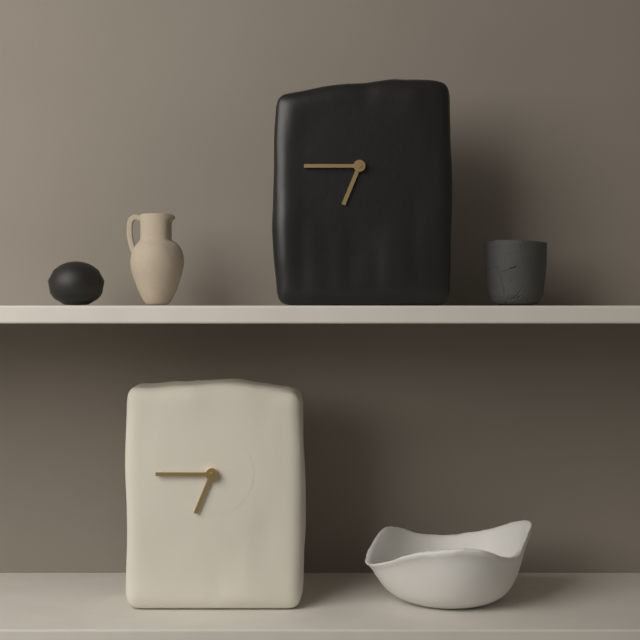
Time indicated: 6:45
